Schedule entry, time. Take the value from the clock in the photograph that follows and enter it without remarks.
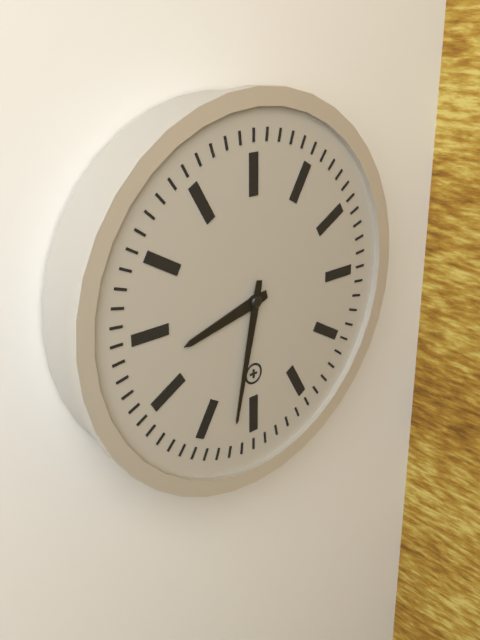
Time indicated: 8:32
